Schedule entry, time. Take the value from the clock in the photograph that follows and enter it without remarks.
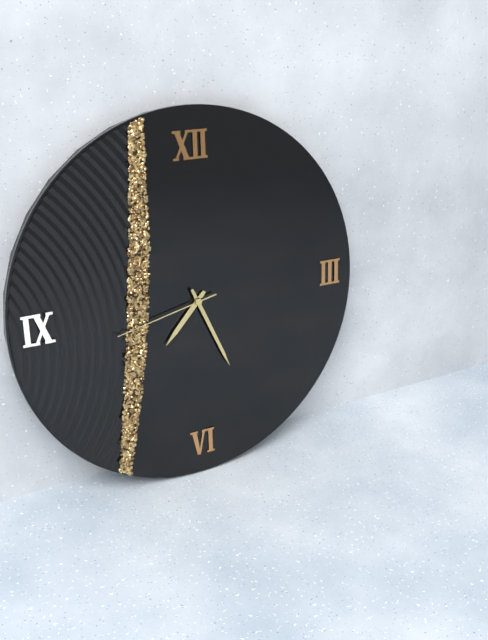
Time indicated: 7:26:43
